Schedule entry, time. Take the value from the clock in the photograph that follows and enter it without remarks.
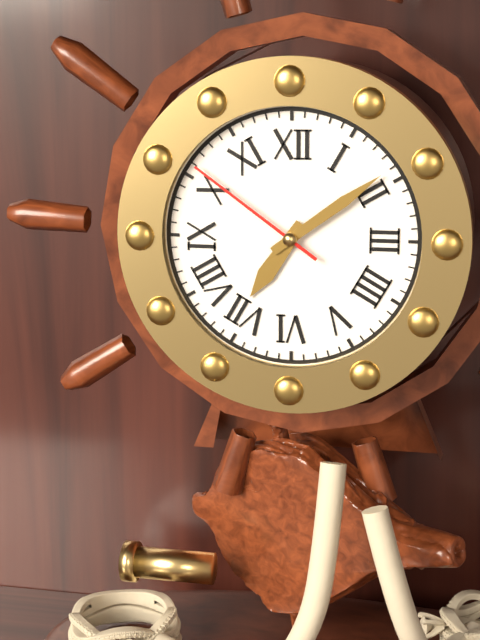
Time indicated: 7:09:51
